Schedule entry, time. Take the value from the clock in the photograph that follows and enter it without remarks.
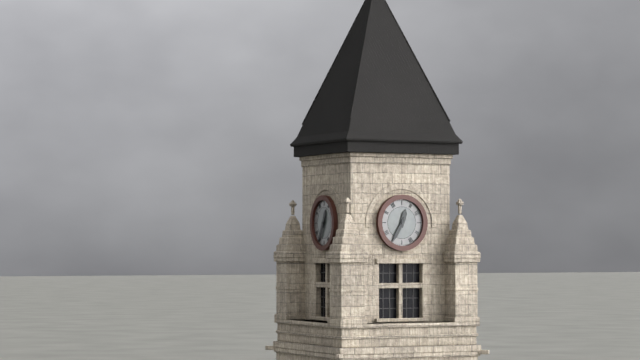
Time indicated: 12:35
